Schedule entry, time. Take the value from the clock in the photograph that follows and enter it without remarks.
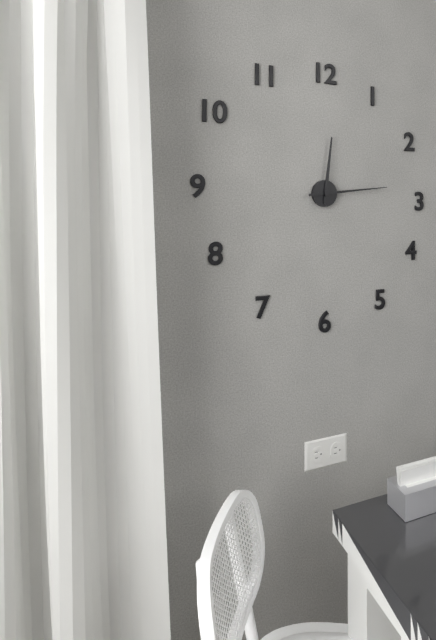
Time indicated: 12:14
